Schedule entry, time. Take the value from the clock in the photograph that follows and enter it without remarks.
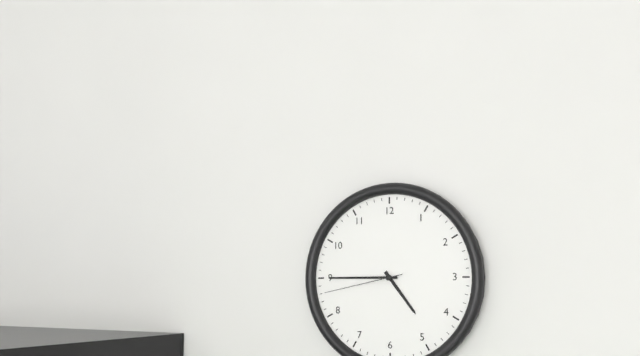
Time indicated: 4:45:43
